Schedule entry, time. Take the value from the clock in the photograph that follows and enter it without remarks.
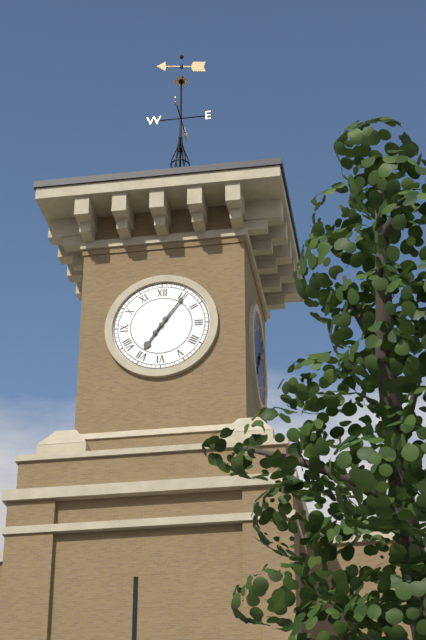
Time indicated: 7:06
